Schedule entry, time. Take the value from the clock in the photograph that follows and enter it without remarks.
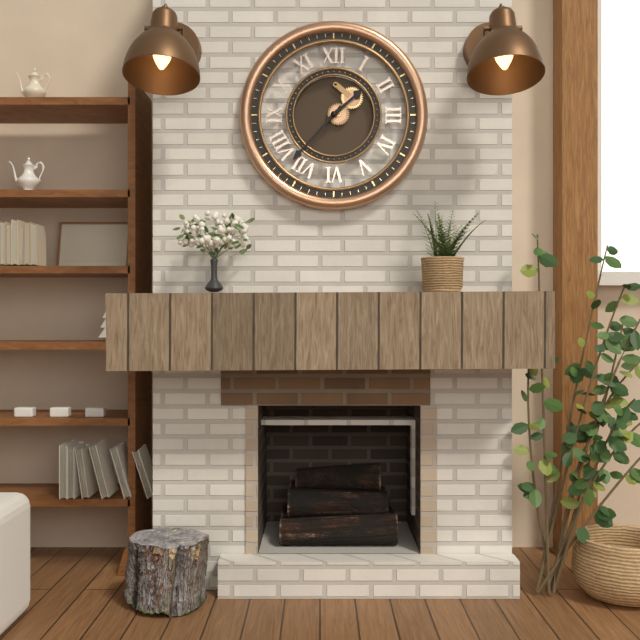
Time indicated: 1:37
